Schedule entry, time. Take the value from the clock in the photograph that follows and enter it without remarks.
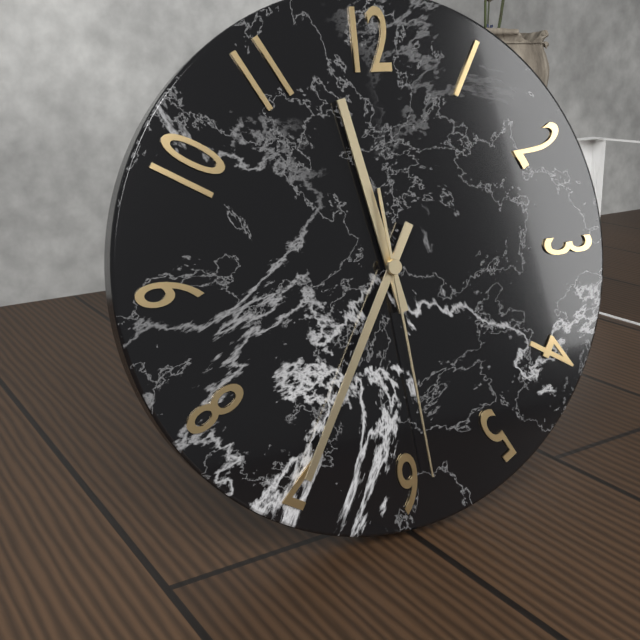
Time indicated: 11:35:29
